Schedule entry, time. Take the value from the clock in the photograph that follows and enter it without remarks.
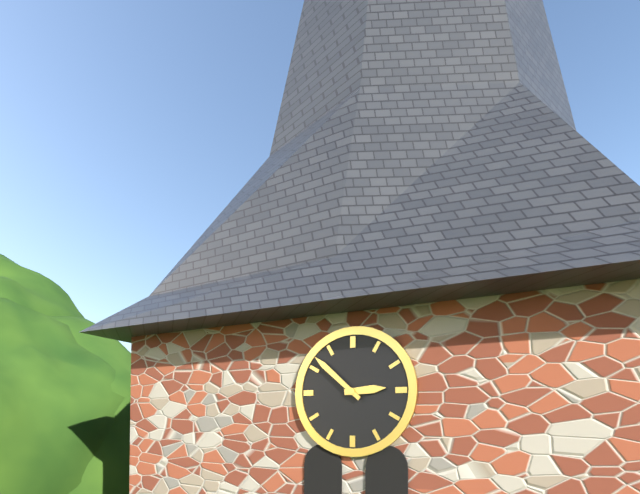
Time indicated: 2:52
